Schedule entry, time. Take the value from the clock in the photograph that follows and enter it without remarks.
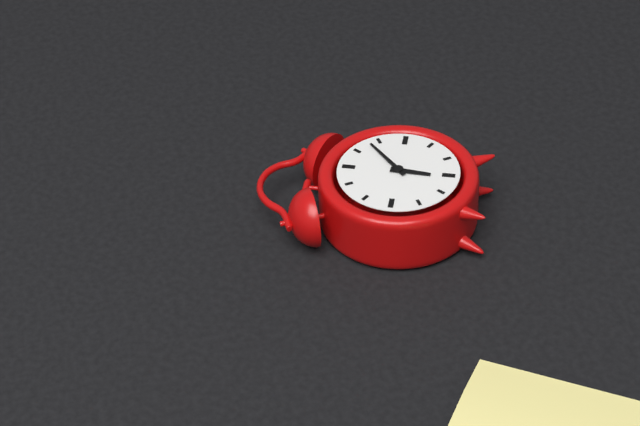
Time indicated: 6:08
